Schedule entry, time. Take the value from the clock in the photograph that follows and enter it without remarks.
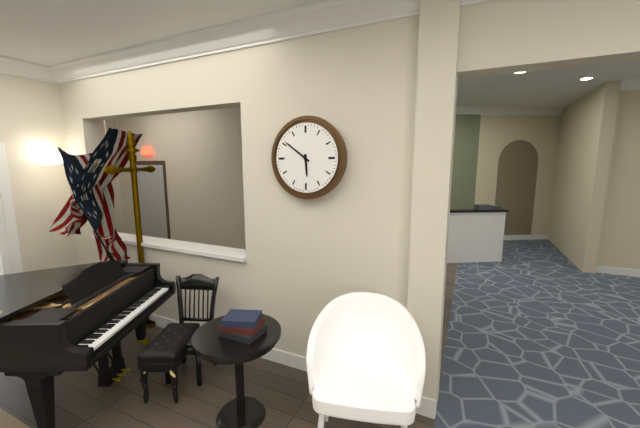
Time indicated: 5:51
